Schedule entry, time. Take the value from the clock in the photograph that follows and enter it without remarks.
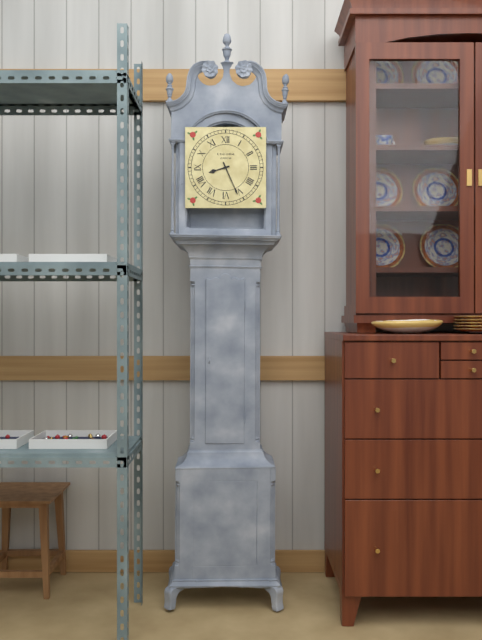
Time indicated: 8:26
